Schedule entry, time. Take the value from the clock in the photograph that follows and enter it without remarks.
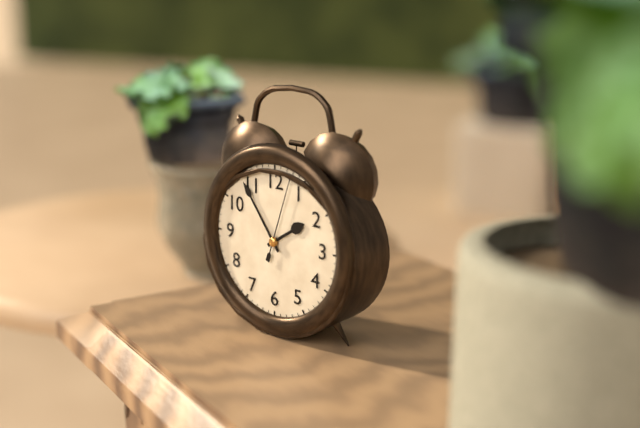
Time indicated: 1:54:03
